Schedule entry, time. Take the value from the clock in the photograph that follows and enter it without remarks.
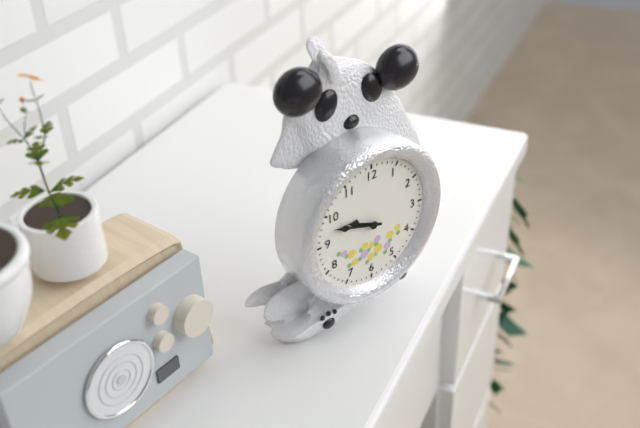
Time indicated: 9:48
